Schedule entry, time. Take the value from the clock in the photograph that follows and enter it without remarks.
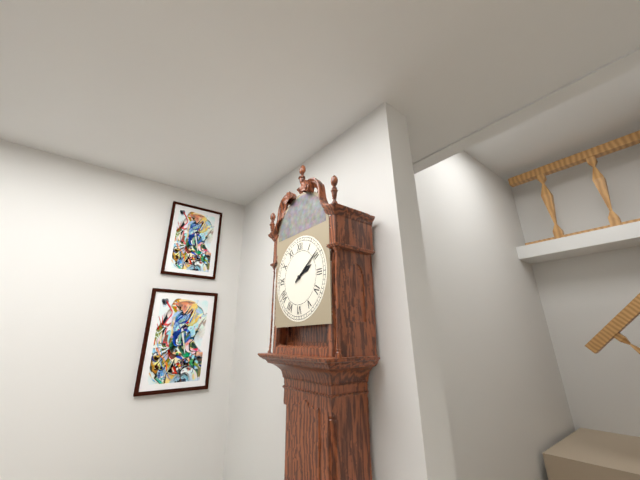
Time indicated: 2:09
